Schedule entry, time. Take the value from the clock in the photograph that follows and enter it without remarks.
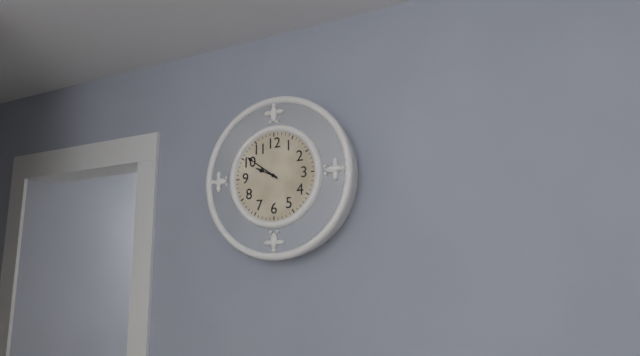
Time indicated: 9:51
